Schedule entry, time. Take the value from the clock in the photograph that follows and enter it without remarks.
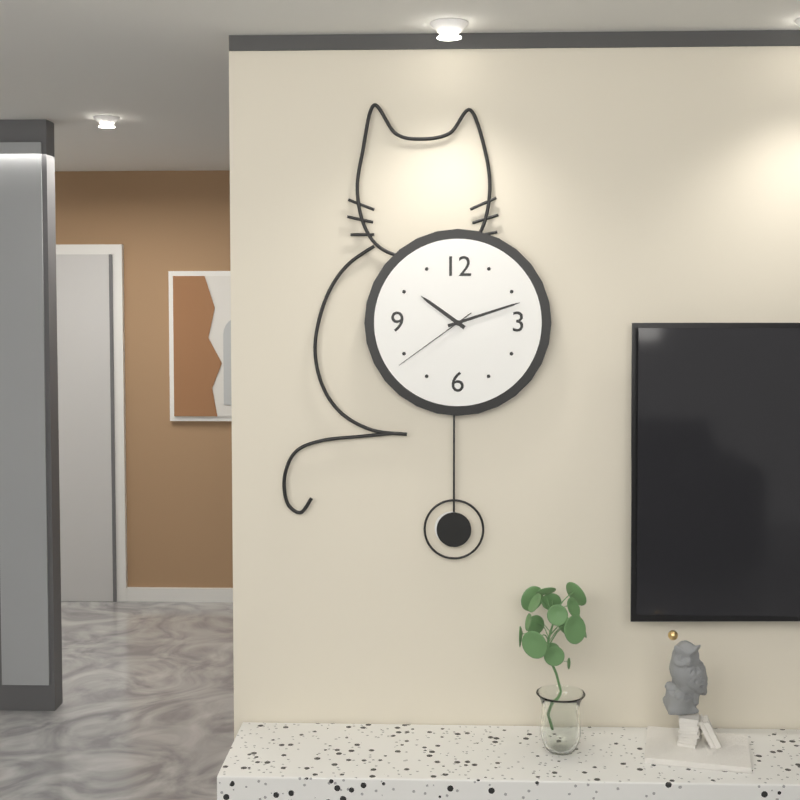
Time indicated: 10:12:39
